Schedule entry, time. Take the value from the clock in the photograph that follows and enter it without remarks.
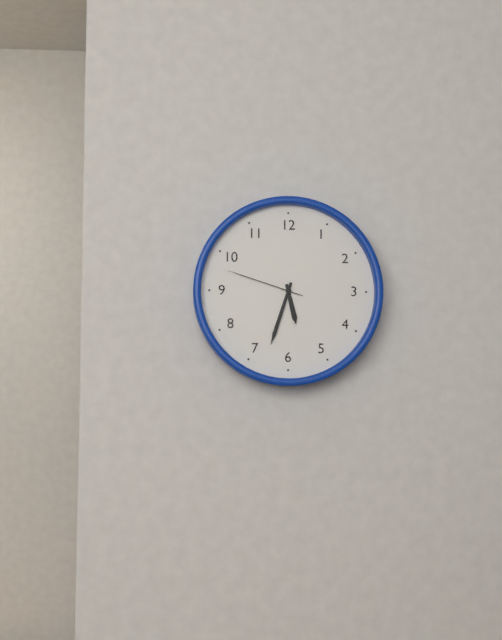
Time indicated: 5:33:48
